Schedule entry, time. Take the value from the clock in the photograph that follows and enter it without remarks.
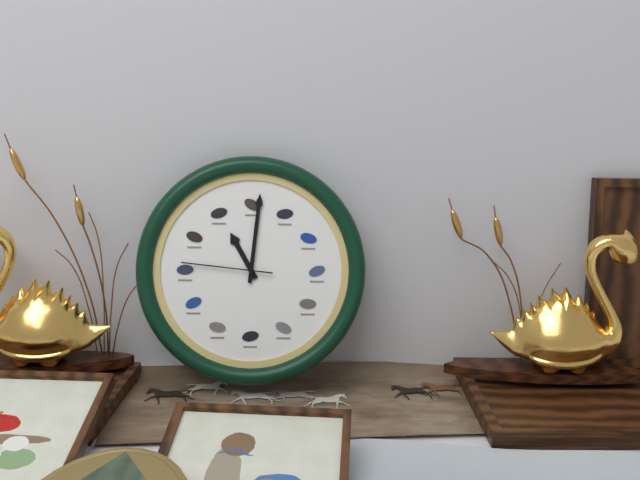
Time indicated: 11:01:46
